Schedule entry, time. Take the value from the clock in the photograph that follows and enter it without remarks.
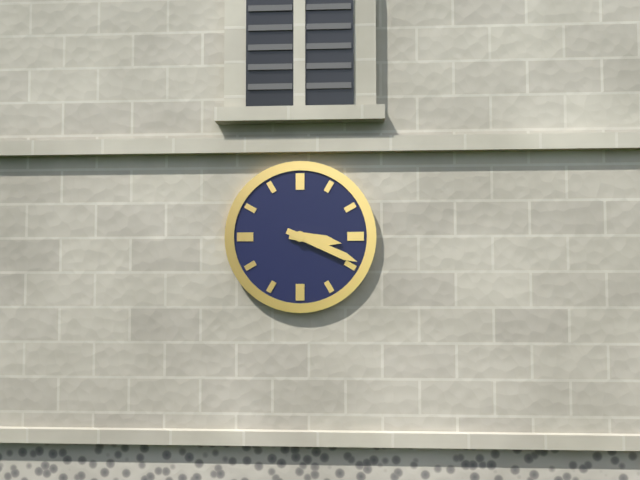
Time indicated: 3:19
